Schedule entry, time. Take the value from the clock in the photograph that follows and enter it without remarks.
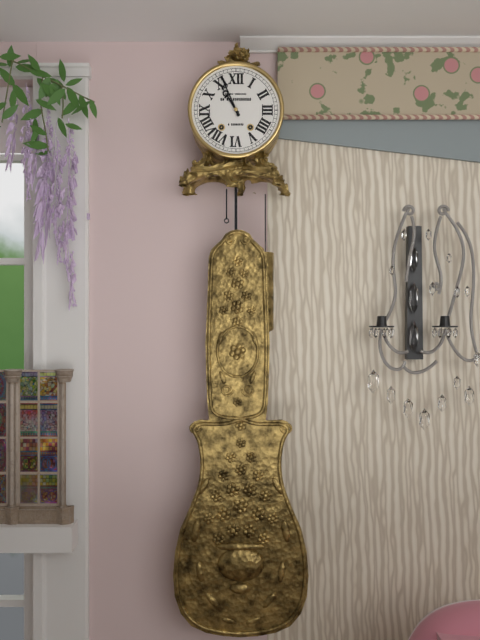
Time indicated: 10:56
